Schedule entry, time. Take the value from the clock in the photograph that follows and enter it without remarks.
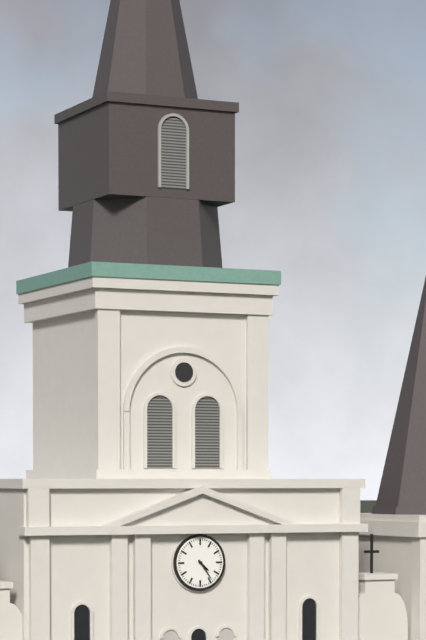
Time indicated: 4:24
